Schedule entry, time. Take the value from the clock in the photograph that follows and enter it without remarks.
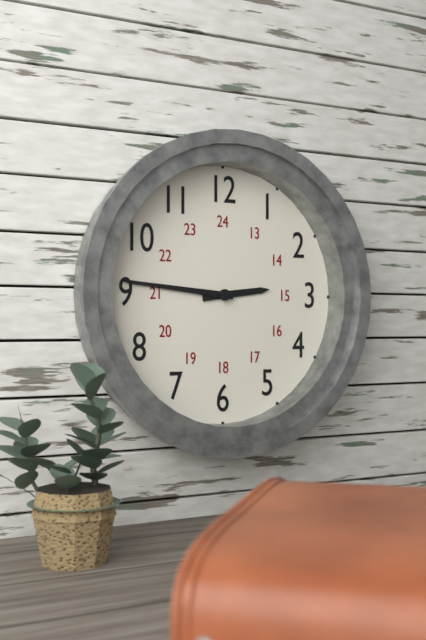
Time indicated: 2:46
